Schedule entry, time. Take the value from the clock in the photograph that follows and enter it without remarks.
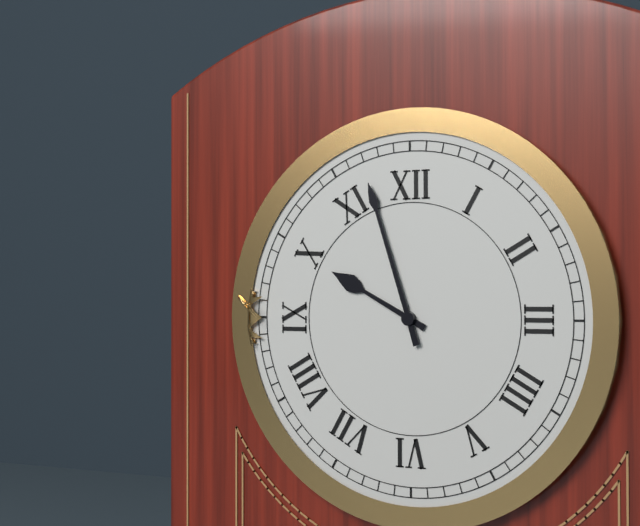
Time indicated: 9:57
